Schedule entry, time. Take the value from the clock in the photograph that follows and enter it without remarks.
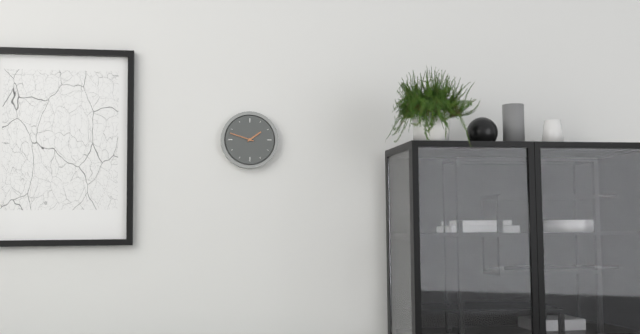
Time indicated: 1:48
